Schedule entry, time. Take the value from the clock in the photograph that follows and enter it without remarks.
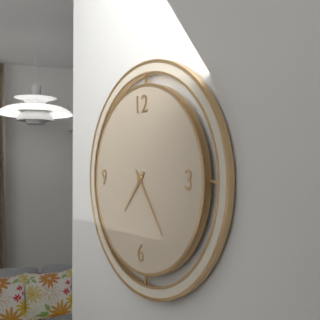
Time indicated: 7:24
